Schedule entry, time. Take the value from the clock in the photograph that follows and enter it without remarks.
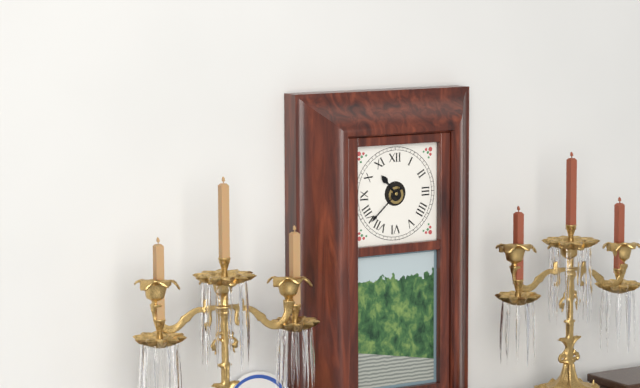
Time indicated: 10:38
